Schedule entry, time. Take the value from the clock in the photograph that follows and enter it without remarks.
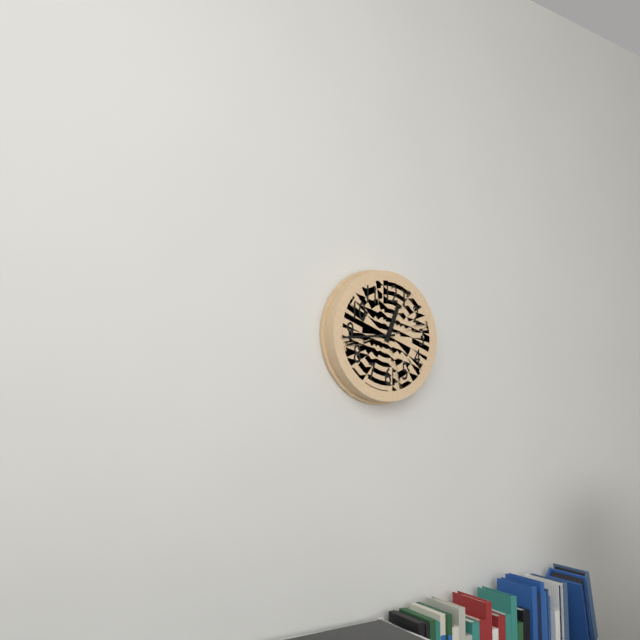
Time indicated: 12:44
